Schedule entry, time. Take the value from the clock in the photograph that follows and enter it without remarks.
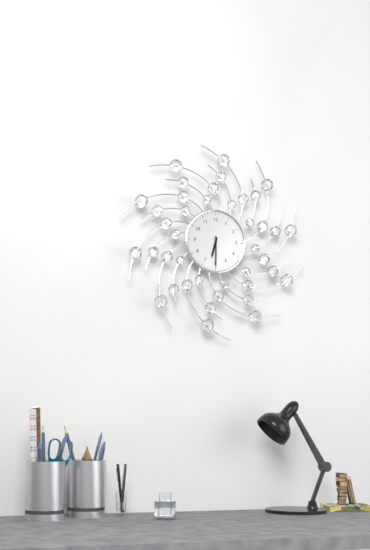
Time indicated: 6:30
